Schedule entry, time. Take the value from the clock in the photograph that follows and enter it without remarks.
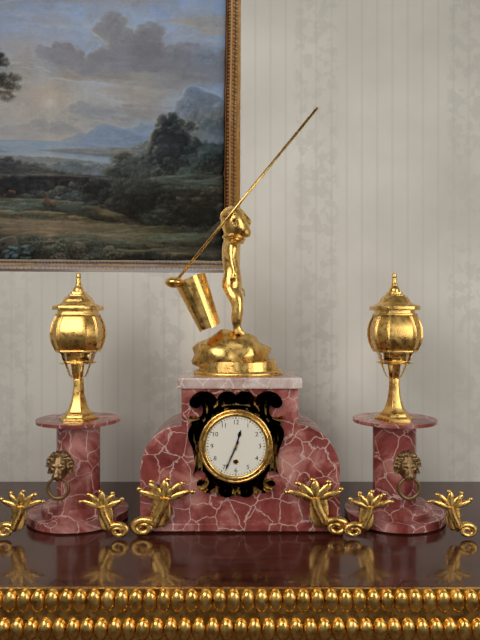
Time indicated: 12:34
